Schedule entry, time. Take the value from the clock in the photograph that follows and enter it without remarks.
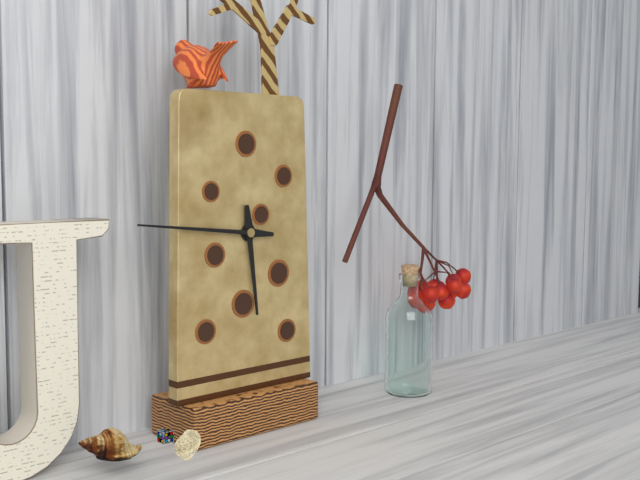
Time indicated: 5:46
